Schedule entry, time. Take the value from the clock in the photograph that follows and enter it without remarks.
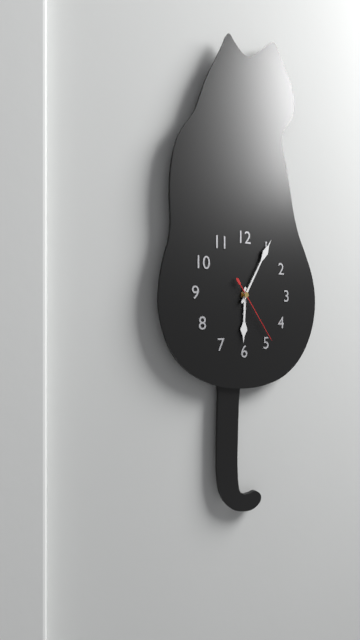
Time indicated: 6:05:24
